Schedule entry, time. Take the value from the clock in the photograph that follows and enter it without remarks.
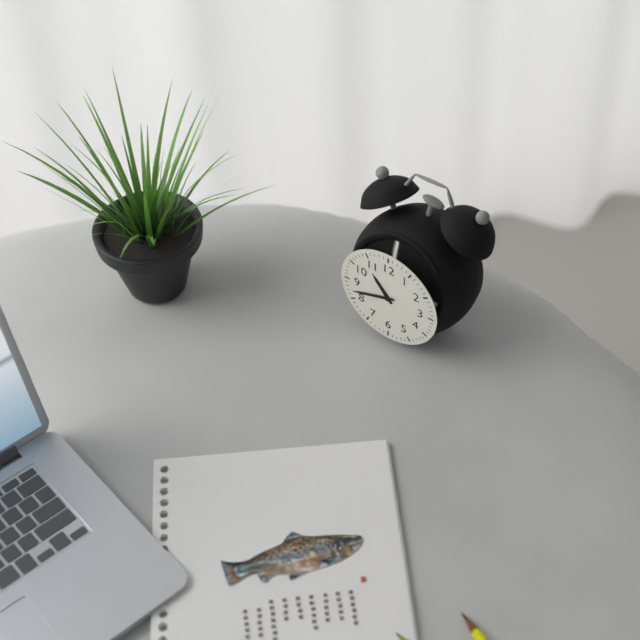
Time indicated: 10:42
